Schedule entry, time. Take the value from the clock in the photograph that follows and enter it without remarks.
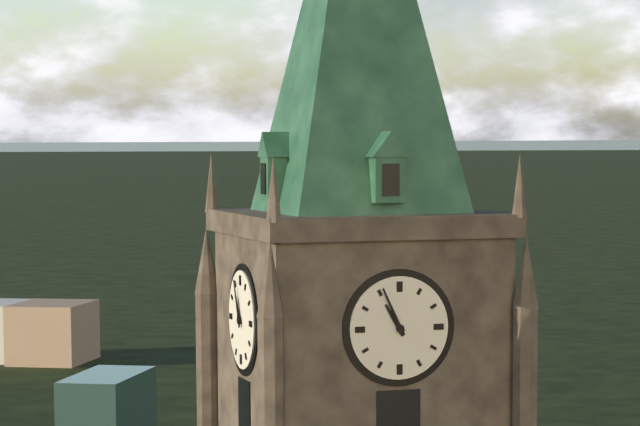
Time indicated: 10:56
